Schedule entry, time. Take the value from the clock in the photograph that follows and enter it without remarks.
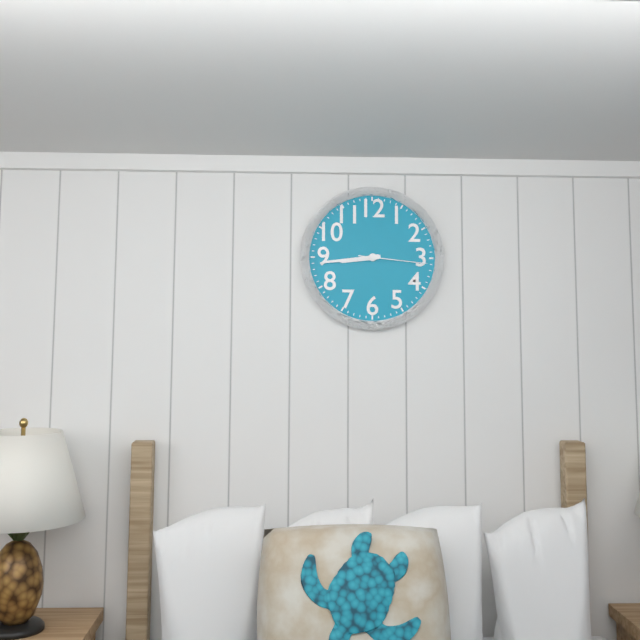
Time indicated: 8:44:16
